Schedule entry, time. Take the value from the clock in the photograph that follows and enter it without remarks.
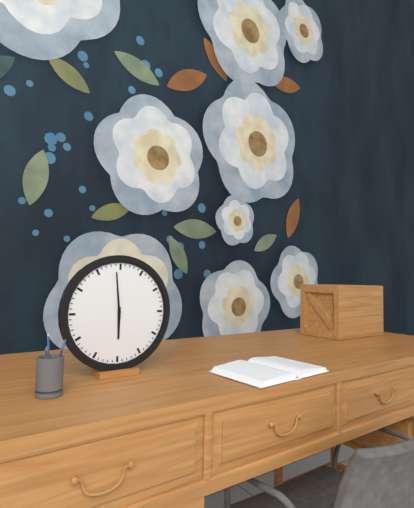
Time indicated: 5:59
